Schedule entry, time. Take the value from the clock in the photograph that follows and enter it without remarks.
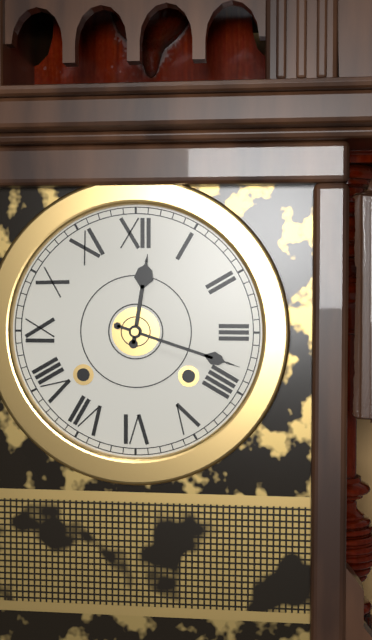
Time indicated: 12:18
